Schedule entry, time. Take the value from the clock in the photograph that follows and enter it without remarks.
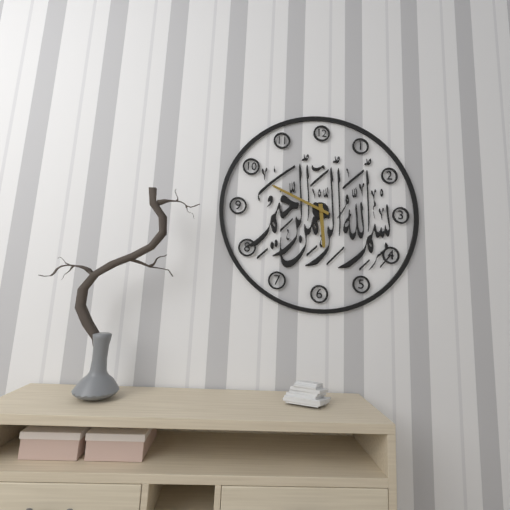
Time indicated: 5:49
